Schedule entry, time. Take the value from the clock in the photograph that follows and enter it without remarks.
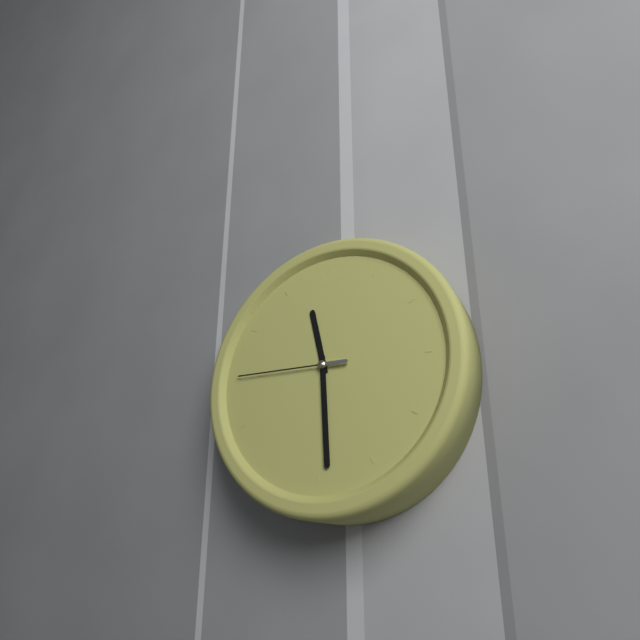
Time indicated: 11:29:45
